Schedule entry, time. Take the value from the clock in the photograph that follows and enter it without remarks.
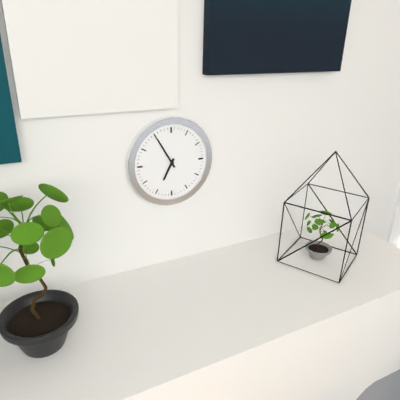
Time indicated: 6:55
